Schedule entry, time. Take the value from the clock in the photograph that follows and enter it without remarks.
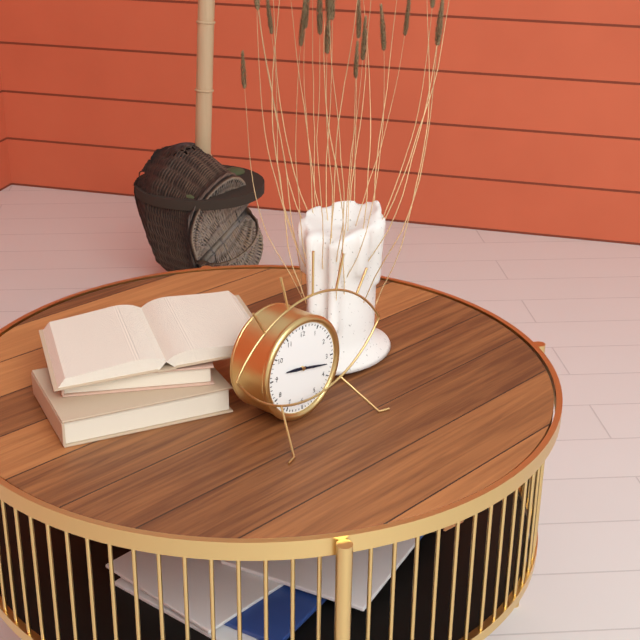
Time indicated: 9:17
